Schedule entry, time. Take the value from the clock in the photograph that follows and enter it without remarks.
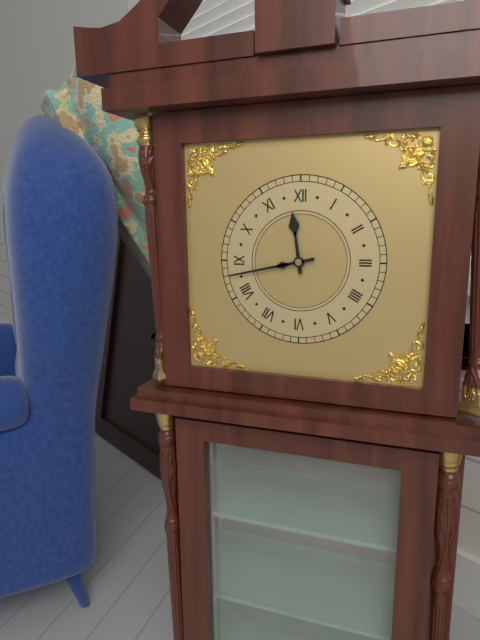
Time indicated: 11:43
